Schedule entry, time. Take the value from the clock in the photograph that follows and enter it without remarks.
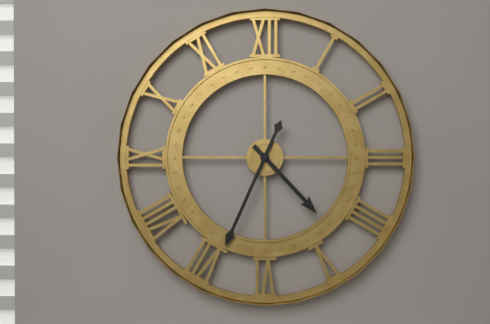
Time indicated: 4:34
